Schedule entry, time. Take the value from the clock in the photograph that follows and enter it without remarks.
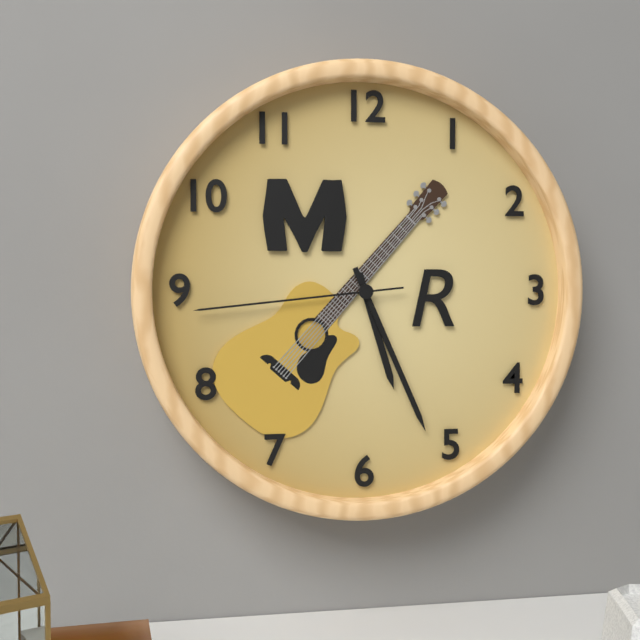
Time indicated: 5:26:44
